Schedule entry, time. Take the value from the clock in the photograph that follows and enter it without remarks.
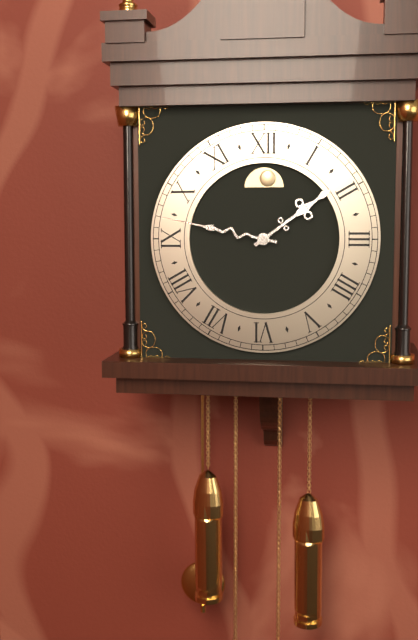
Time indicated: 1:47
